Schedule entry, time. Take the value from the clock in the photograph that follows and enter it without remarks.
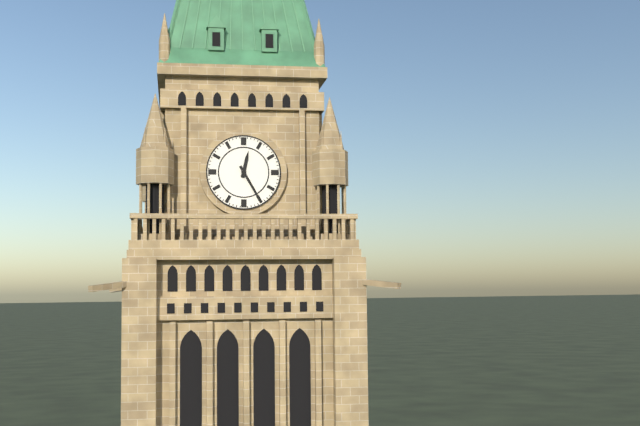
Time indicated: 12:25
